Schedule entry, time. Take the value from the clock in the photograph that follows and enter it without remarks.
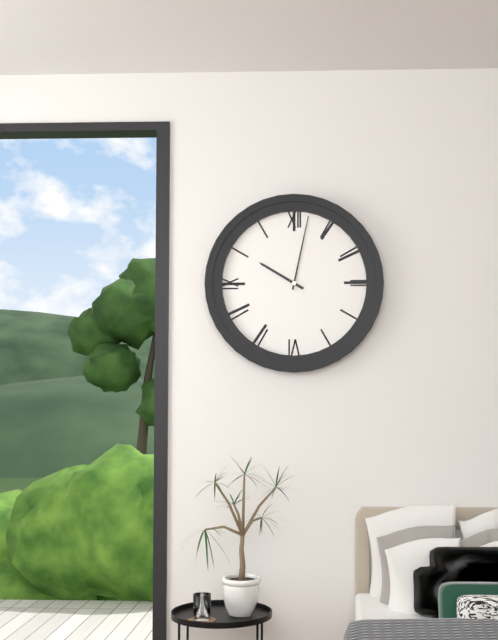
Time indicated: 10:02
